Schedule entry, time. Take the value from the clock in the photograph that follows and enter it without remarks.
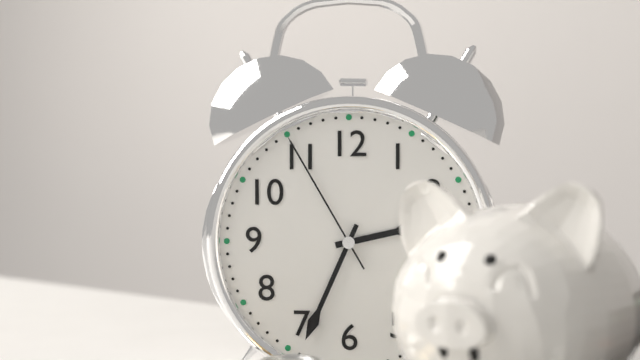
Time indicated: 2:34:55
